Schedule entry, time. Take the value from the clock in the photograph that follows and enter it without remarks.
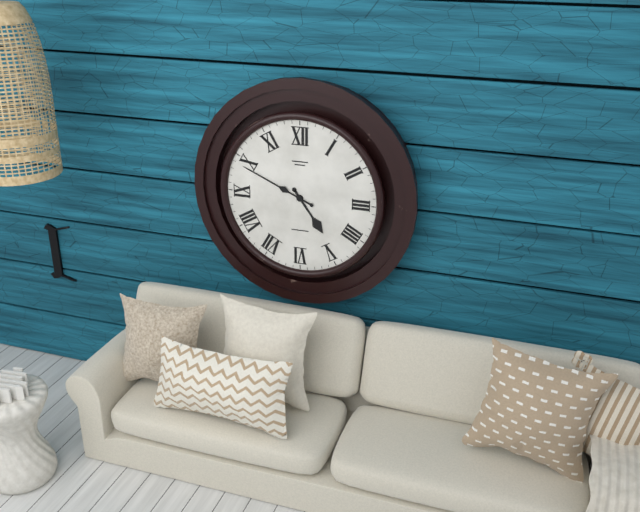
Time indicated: 4:49
